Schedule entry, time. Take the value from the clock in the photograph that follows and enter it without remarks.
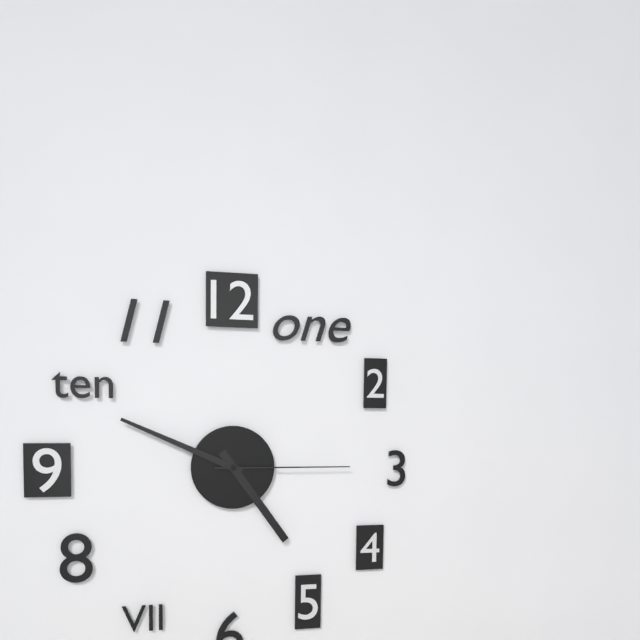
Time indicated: 4:49:15
